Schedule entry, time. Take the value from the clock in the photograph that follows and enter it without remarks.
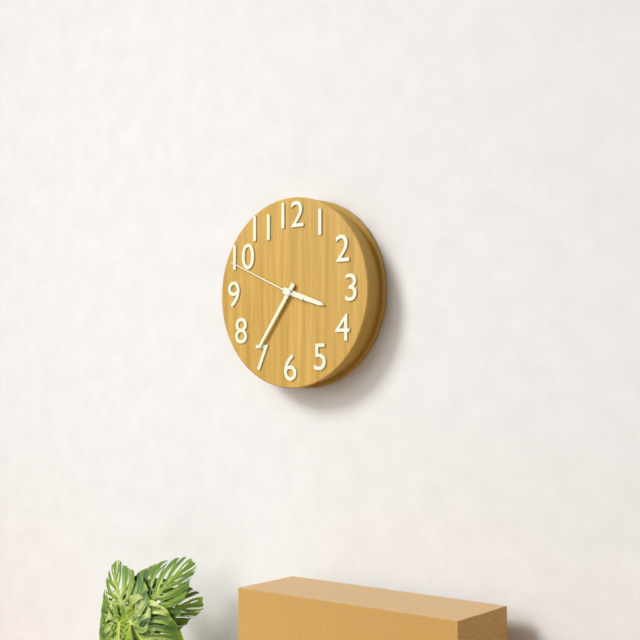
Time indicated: 3:36:49
